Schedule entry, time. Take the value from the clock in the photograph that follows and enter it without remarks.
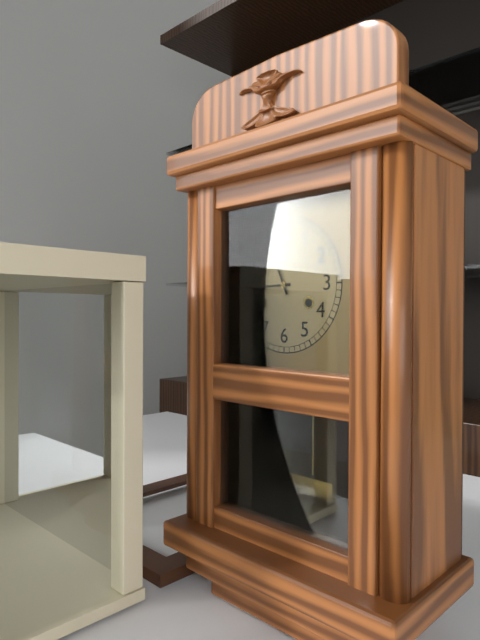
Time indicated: 8:56
